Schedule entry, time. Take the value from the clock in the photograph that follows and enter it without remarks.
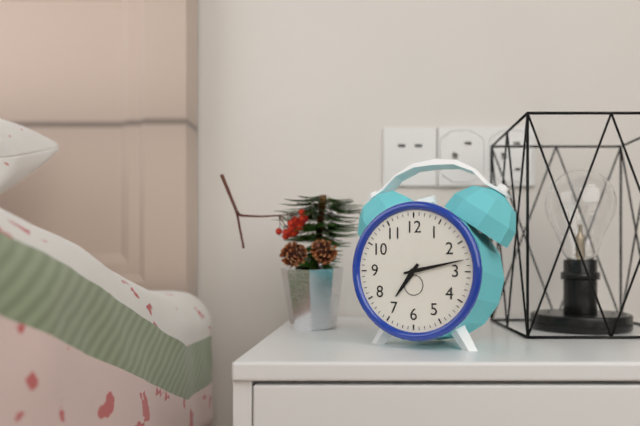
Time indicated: 7:13
